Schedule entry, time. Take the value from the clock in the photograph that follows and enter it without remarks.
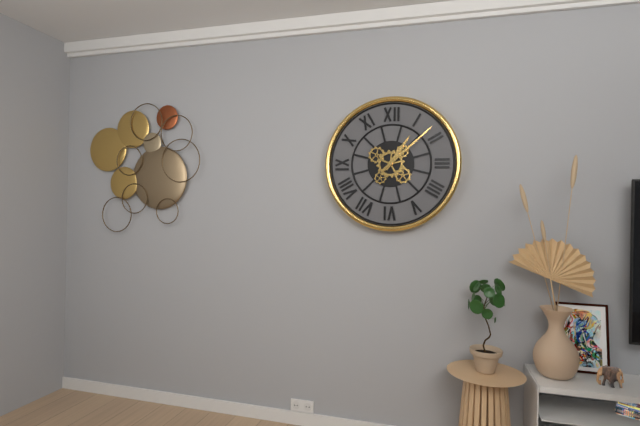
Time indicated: 1:08
